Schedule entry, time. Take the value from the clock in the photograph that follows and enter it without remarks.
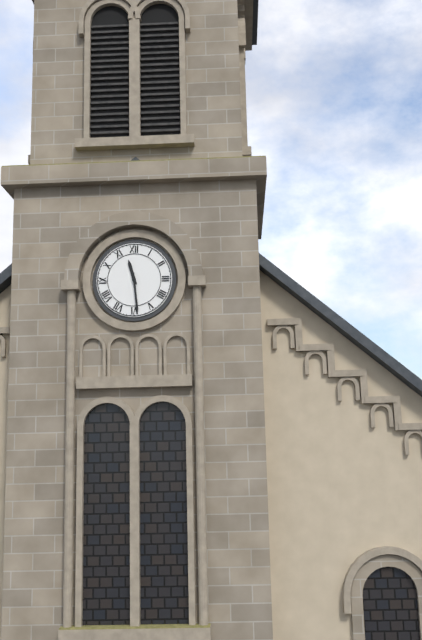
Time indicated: 11:29
